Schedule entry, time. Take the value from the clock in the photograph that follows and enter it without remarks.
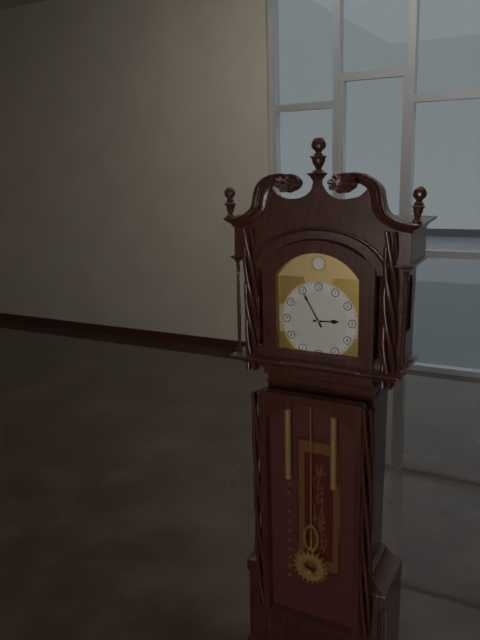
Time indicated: 2:55
